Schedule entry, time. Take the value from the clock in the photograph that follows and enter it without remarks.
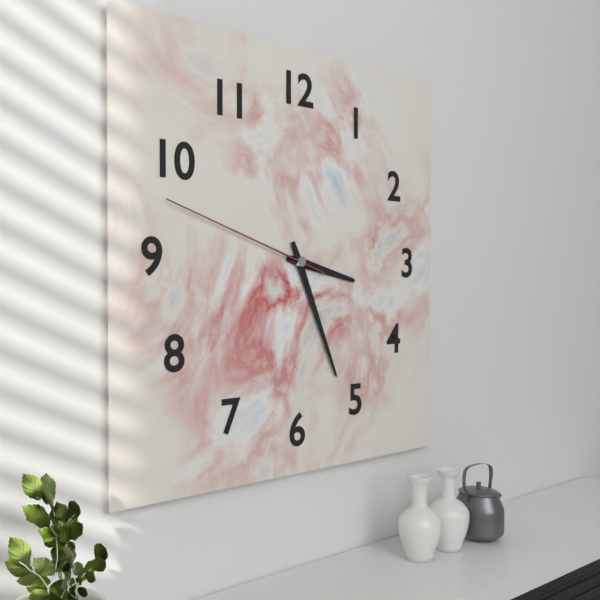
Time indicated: 3:26:48
